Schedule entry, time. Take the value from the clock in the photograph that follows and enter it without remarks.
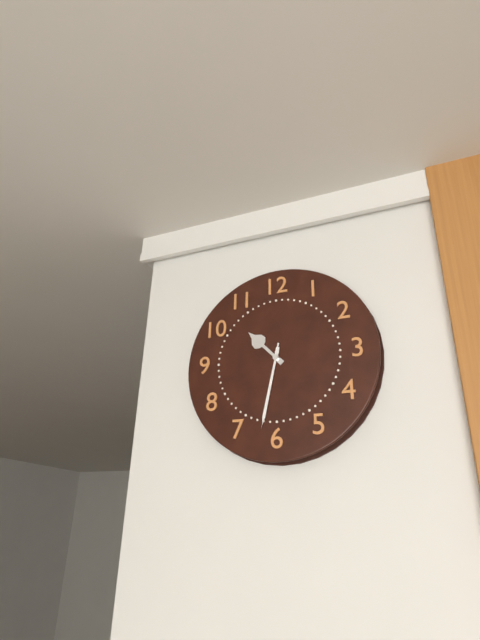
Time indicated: 10:32:32
